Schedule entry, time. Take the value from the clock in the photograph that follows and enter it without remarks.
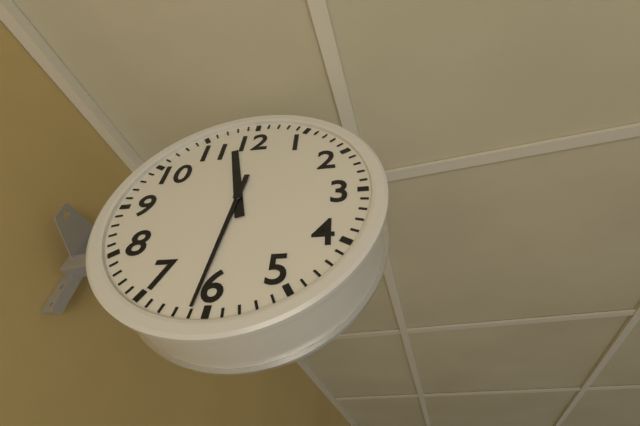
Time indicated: 11:31
